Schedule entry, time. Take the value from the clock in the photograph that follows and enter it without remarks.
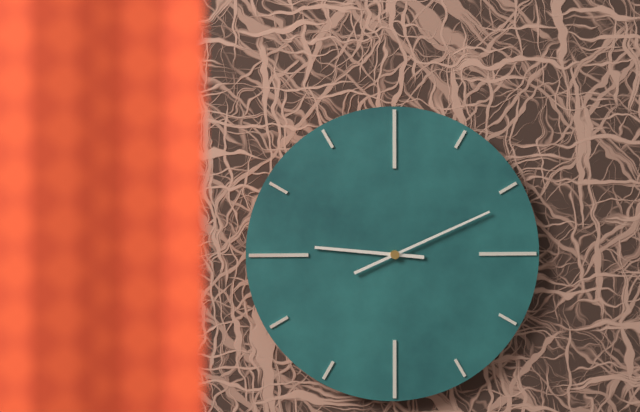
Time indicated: 9:11
